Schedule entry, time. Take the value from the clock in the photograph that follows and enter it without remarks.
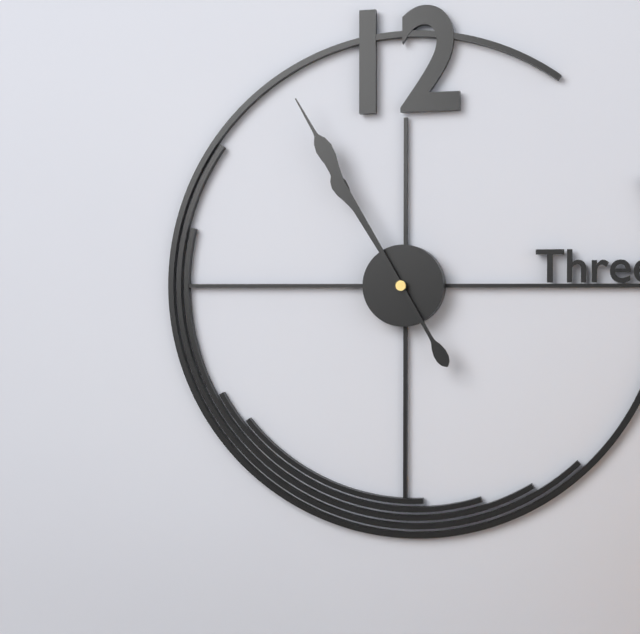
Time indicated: 10:55
